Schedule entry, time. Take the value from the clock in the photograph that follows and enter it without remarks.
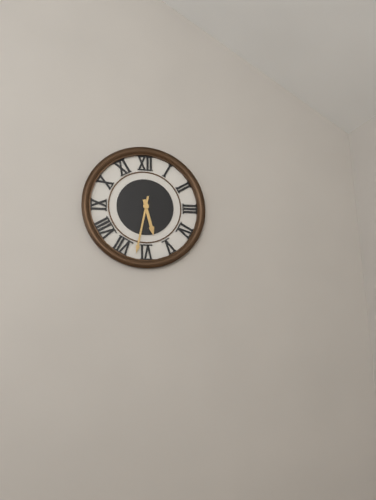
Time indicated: 5:32
